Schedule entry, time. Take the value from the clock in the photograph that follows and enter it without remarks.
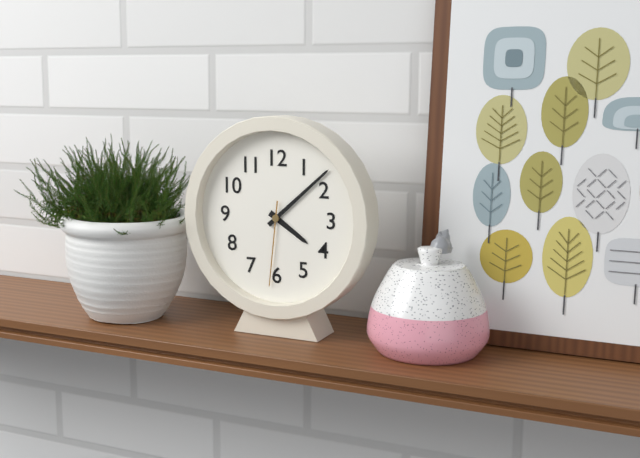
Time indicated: 4:08:31
